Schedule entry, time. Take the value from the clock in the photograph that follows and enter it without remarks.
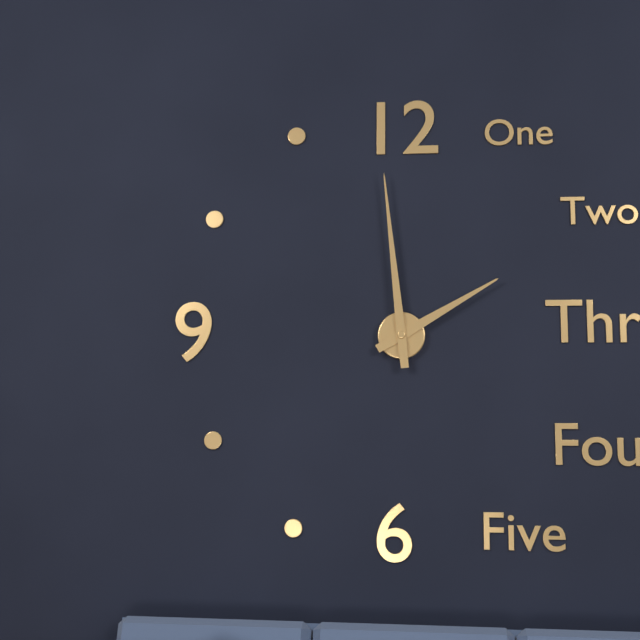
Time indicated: 1:59
